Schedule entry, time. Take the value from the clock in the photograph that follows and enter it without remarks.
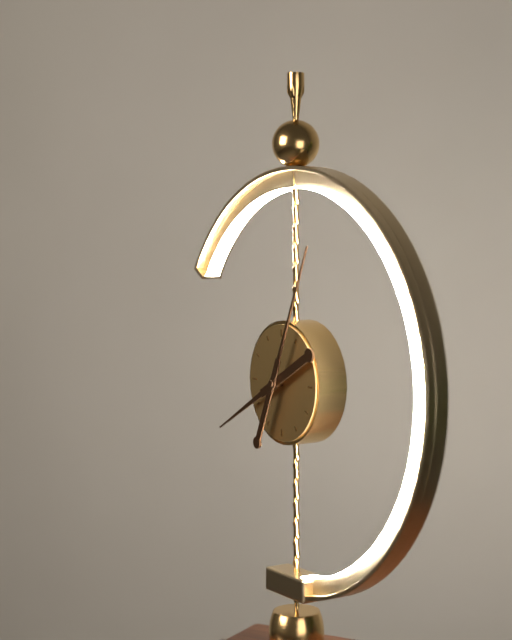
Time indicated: 8:04
